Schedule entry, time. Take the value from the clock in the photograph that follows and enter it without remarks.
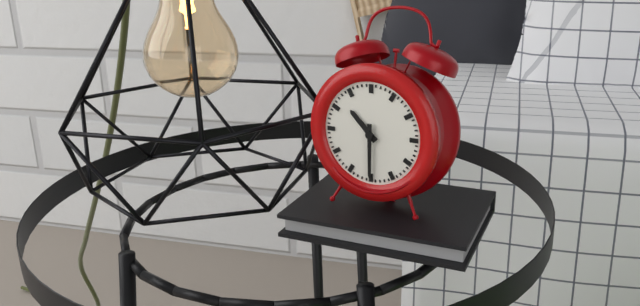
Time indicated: 10:30
